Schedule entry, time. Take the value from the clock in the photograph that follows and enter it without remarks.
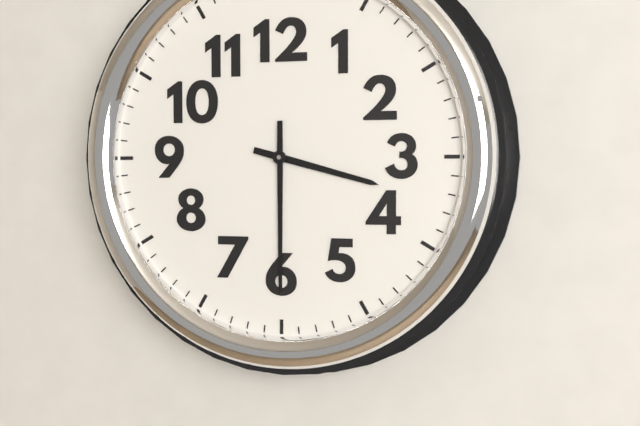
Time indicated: 3:30
